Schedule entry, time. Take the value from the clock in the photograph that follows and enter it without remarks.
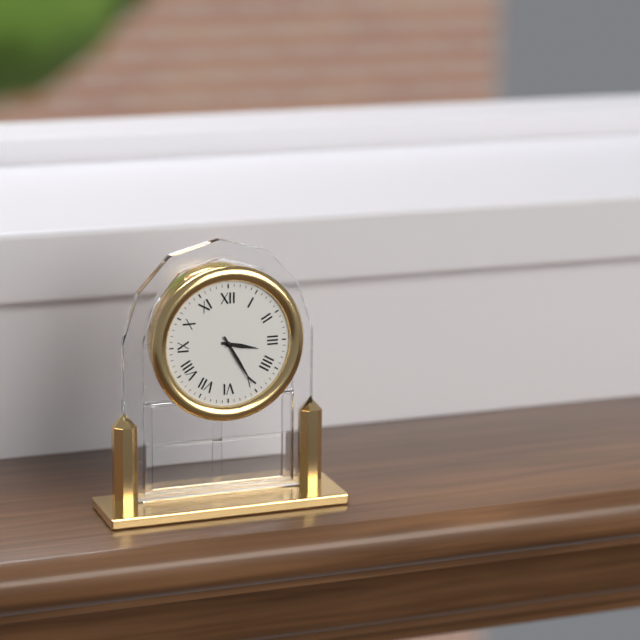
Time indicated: 3:25
